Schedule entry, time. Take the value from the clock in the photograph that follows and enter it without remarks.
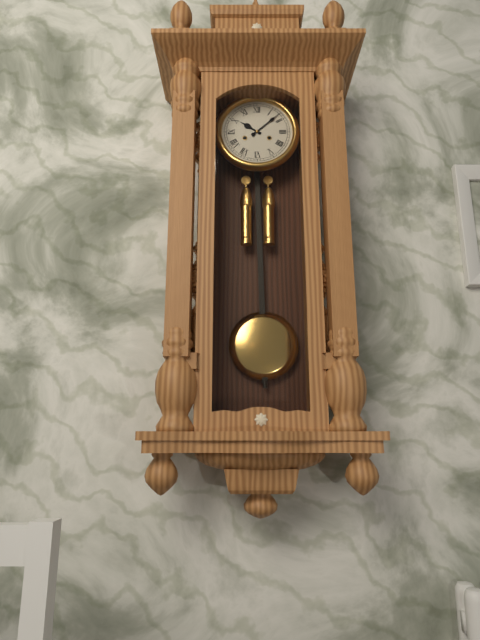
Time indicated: 10:08
